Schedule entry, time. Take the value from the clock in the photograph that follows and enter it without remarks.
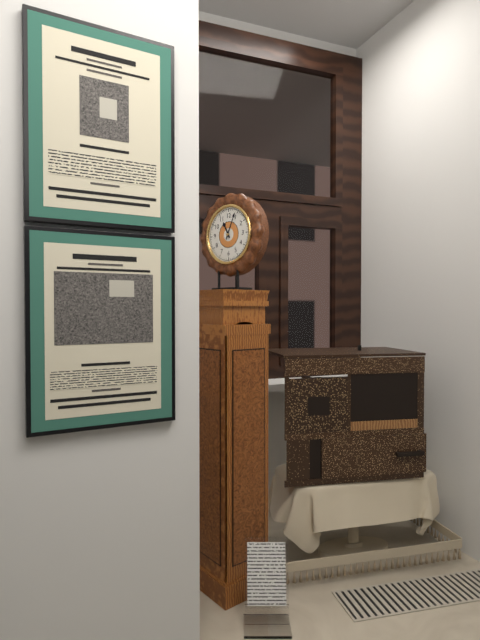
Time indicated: 11:04
